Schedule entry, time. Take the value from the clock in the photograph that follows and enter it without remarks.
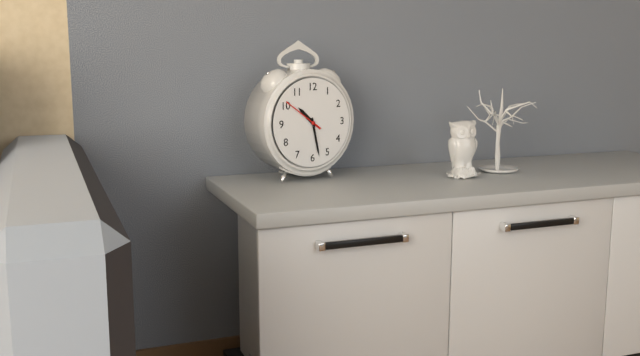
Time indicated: 10:28
